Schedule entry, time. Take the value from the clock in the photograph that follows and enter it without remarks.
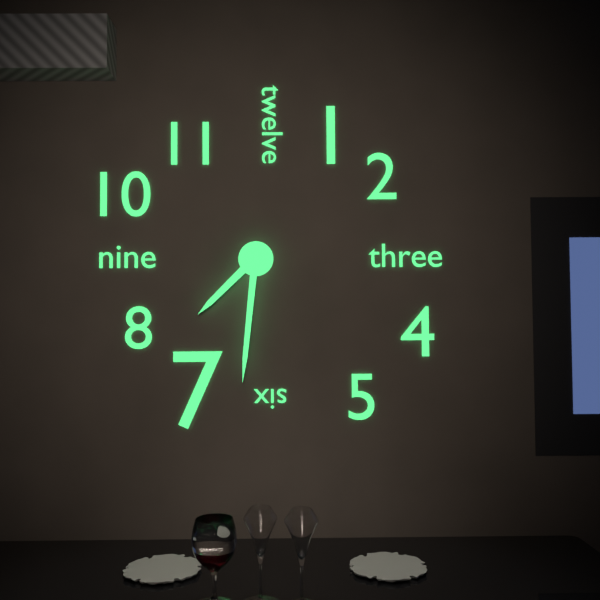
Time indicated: 7:31
